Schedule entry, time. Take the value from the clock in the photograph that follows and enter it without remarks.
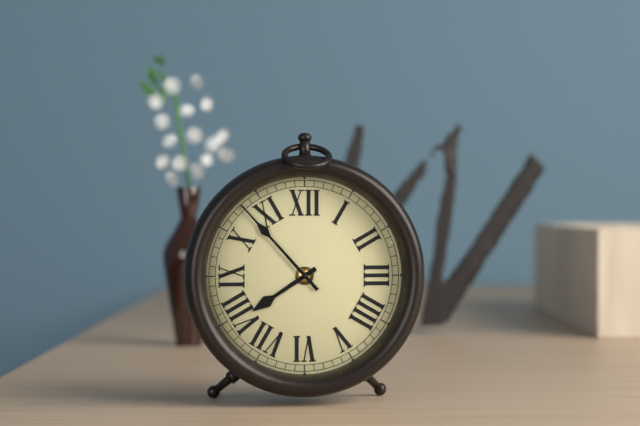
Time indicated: 7:53
